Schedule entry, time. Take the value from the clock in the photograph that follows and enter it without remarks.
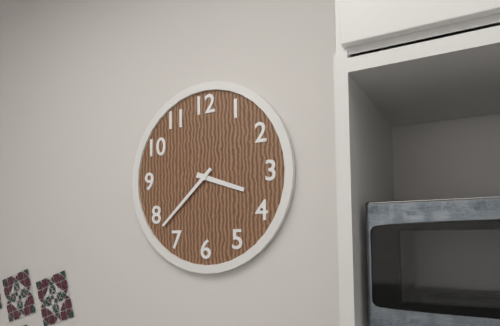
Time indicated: 3:38
